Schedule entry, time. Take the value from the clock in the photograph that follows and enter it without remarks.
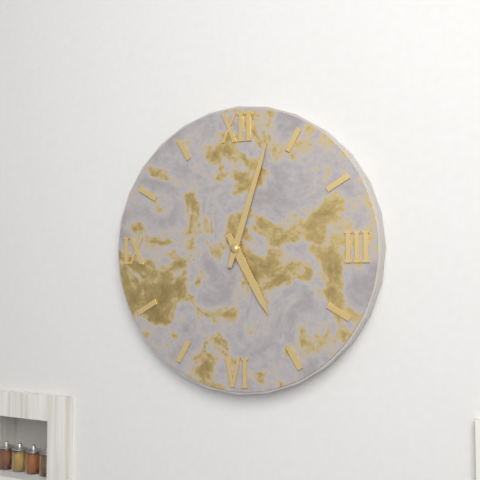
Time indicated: 5:03
